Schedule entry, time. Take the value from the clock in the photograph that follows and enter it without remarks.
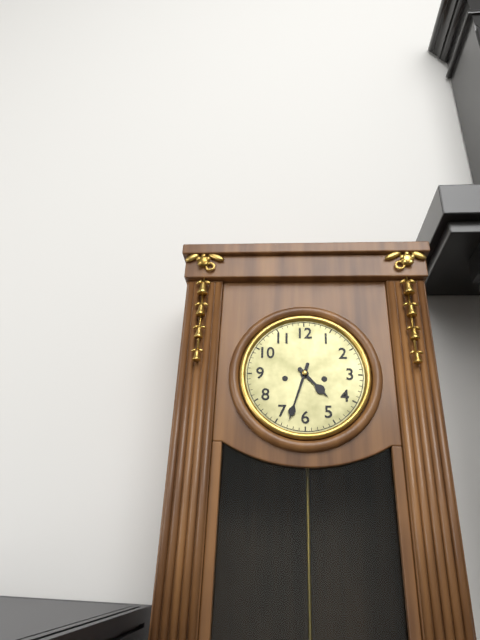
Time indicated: 4:33
